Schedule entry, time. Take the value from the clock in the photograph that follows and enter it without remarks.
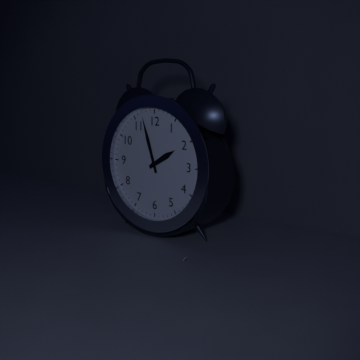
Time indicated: 1:57
